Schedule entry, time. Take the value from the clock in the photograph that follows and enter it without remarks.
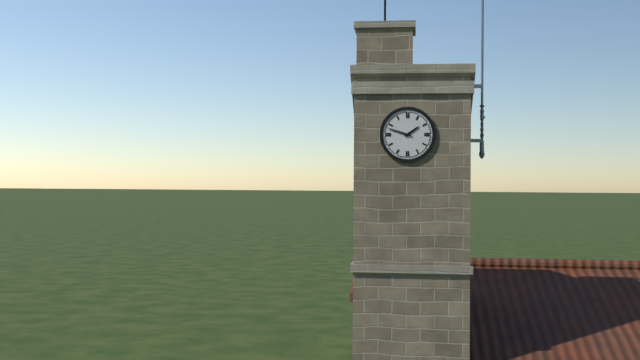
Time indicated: 1:48
